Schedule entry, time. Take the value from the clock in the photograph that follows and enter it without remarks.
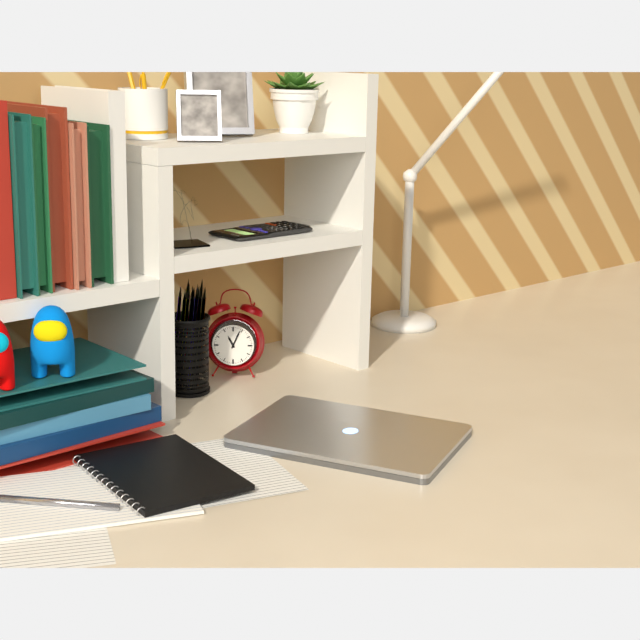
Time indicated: 11:04
